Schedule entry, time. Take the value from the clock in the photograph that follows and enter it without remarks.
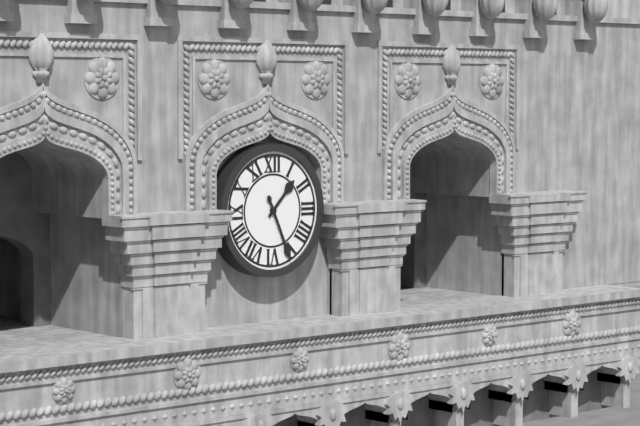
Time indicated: 1:26
